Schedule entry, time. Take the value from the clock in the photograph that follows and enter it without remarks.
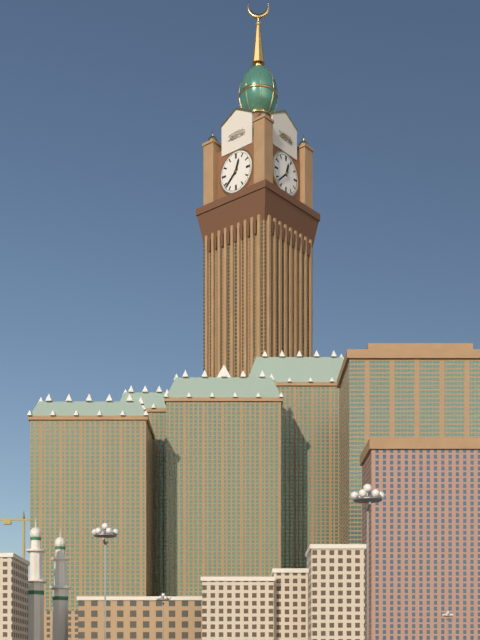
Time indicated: 12:38
